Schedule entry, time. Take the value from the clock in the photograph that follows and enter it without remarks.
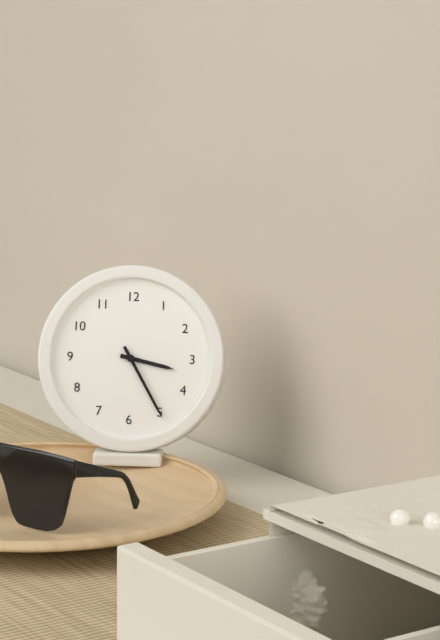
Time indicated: 3:25
